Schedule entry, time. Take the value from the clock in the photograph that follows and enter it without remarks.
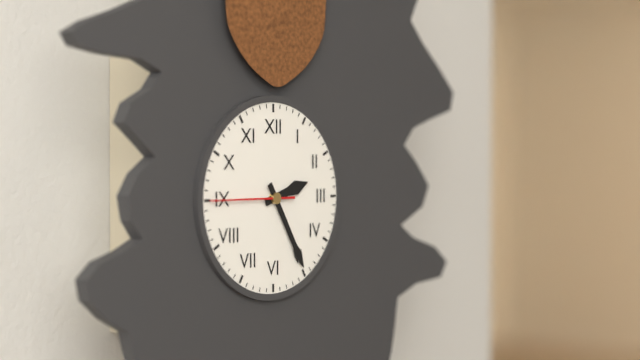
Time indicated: 2:25:45
